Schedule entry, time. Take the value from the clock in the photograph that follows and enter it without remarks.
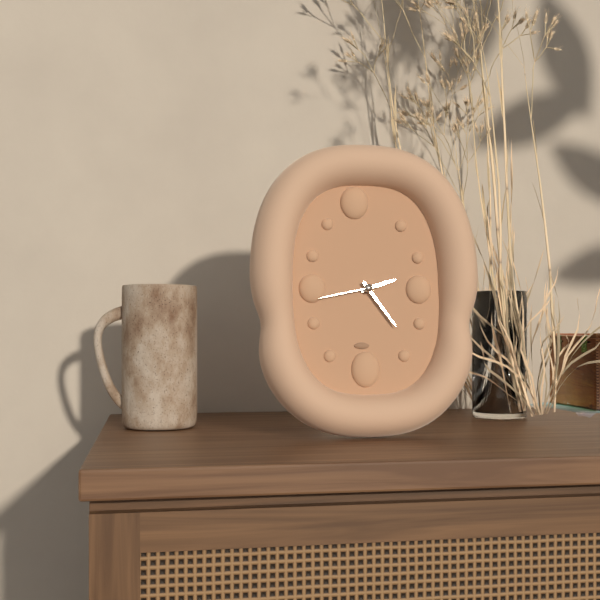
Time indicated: 2:24:43
